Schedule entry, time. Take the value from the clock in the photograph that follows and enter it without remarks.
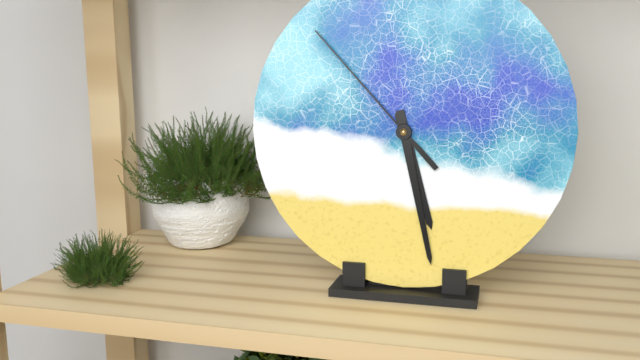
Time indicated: 5:28:53
